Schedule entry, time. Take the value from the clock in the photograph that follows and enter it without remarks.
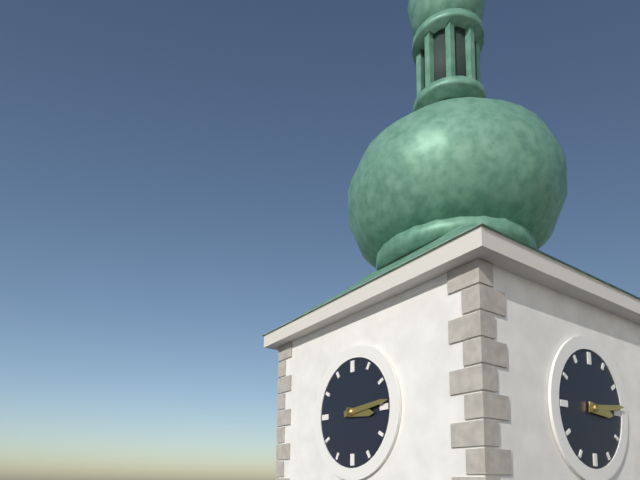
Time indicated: 3:14
